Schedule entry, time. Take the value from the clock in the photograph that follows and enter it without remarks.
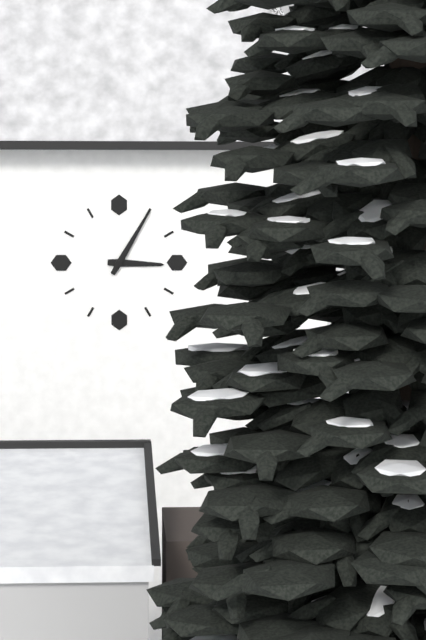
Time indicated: 3:05
